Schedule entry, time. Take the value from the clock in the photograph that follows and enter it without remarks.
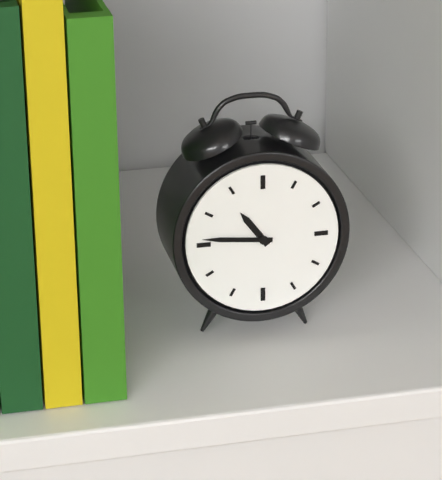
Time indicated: 10:46
